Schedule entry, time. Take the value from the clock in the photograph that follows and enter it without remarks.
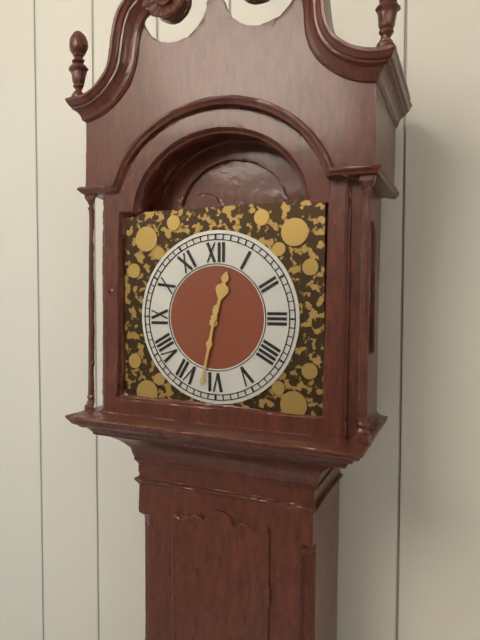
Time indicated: 12:32
